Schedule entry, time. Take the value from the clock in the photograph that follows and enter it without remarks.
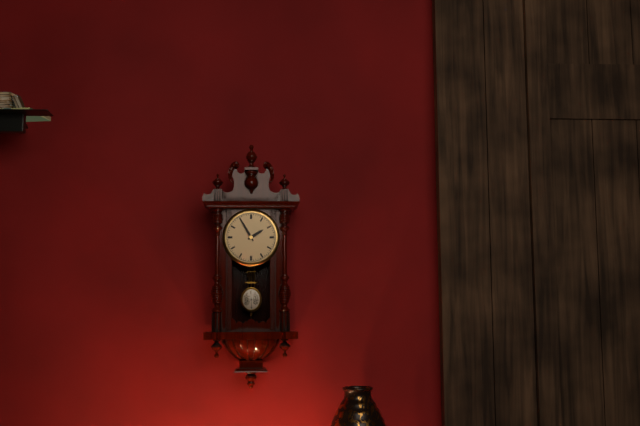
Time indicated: 1:55
